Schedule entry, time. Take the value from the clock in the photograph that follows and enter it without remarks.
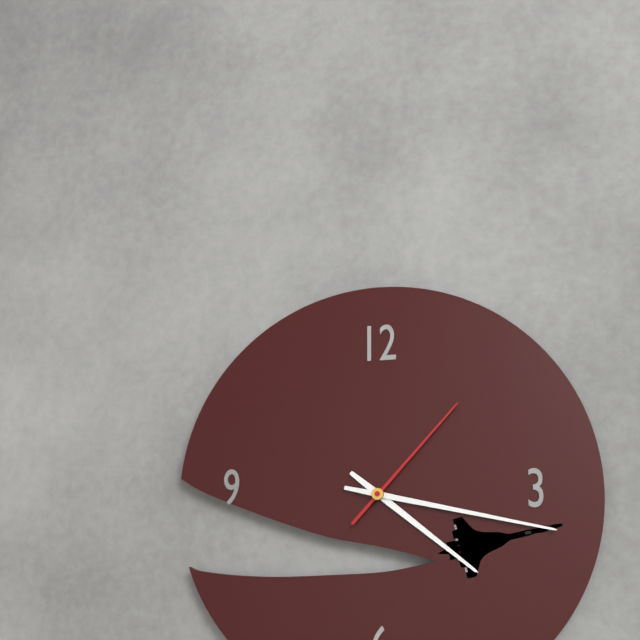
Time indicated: 4:17:07
